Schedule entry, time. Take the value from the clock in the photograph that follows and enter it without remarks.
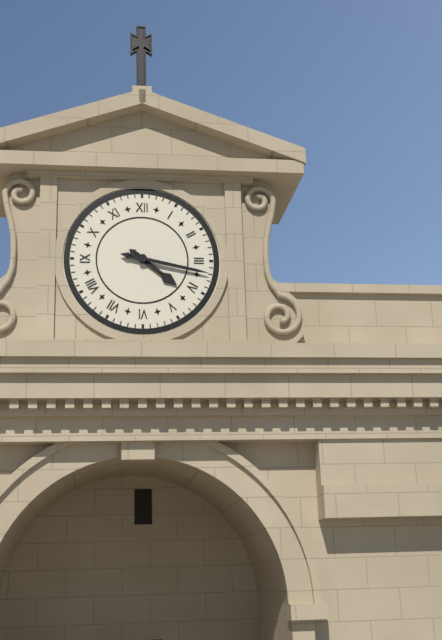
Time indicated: 4:17
